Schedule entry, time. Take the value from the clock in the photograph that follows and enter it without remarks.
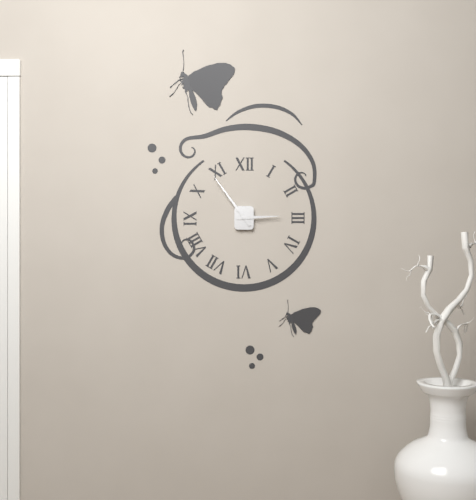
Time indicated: 2:54
